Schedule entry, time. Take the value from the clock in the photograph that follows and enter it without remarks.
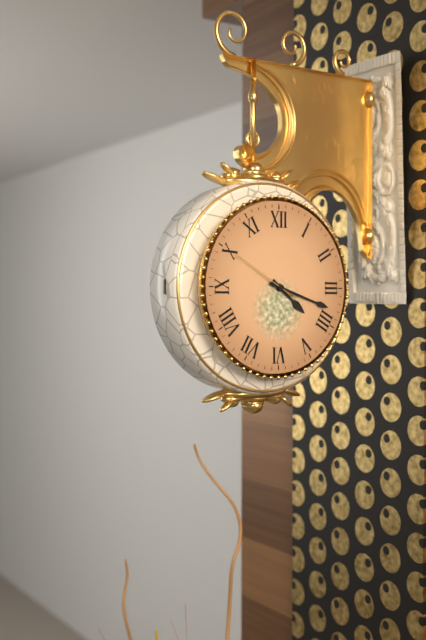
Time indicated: 4:18:50
